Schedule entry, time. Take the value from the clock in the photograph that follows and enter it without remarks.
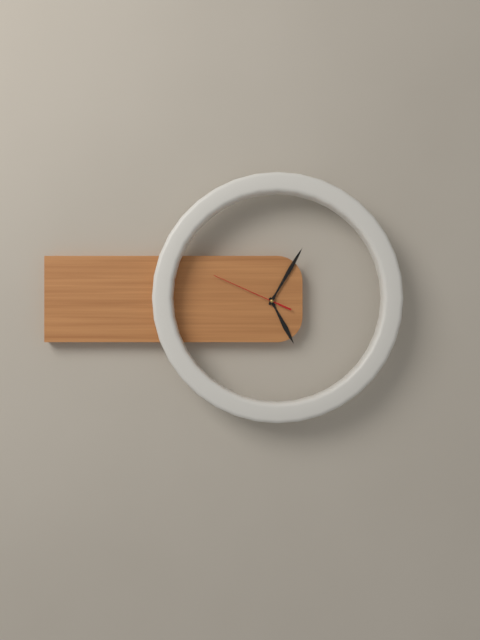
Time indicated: 5:05:49
